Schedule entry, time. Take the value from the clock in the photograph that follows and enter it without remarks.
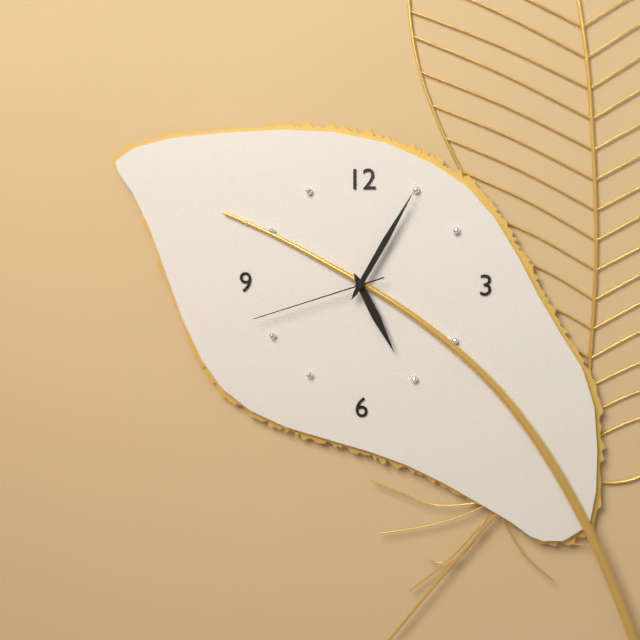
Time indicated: 5:05:42
